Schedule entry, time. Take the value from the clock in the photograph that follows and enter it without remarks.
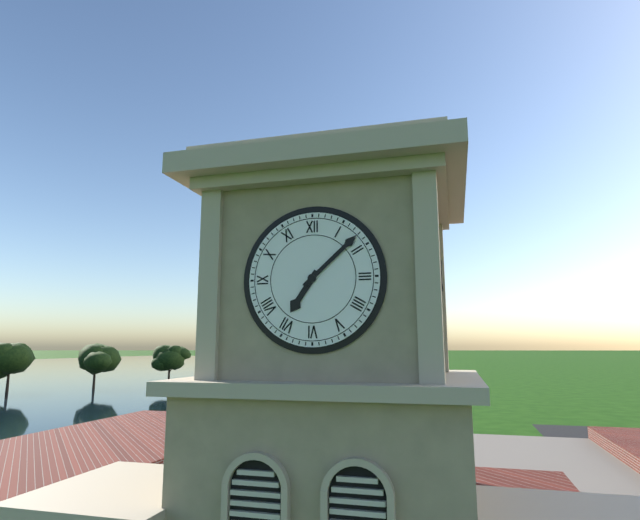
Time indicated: 7:08
